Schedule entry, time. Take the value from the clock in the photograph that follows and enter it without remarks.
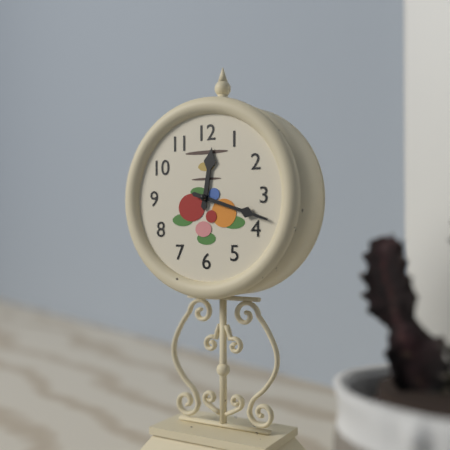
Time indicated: 12:18
